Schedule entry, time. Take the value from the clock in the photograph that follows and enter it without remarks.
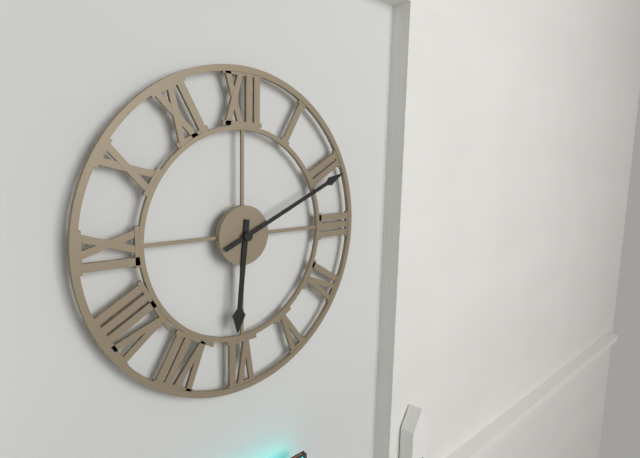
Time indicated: 6:11
